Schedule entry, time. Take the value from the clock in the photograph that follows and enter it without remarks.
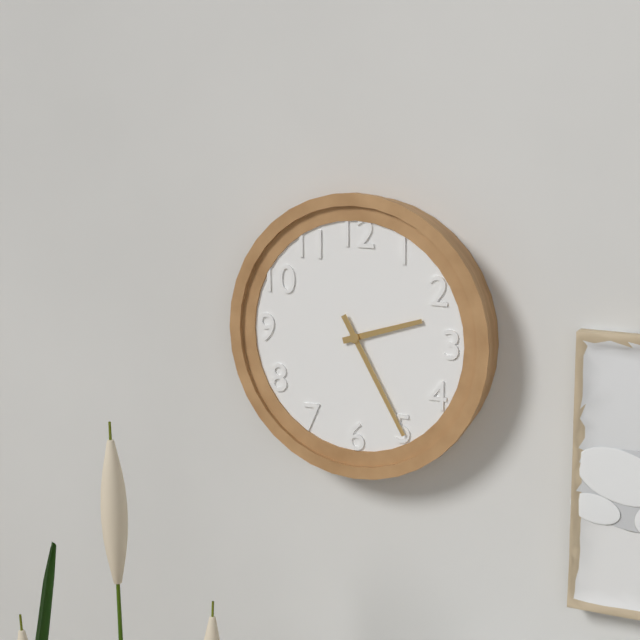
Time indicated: 2:25
